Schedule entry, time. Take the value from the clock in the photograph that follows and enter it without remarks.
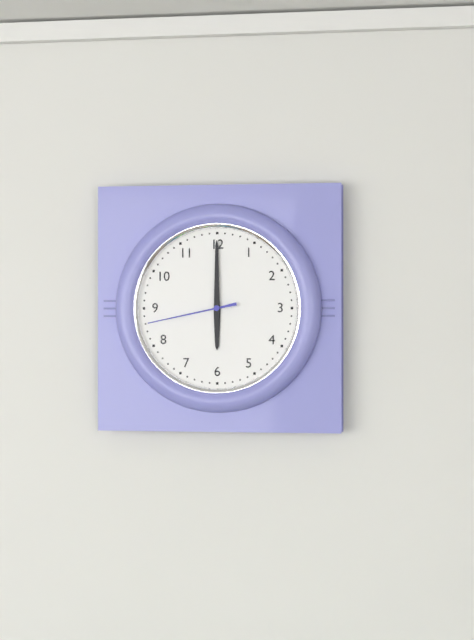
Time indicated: 6:00:43
